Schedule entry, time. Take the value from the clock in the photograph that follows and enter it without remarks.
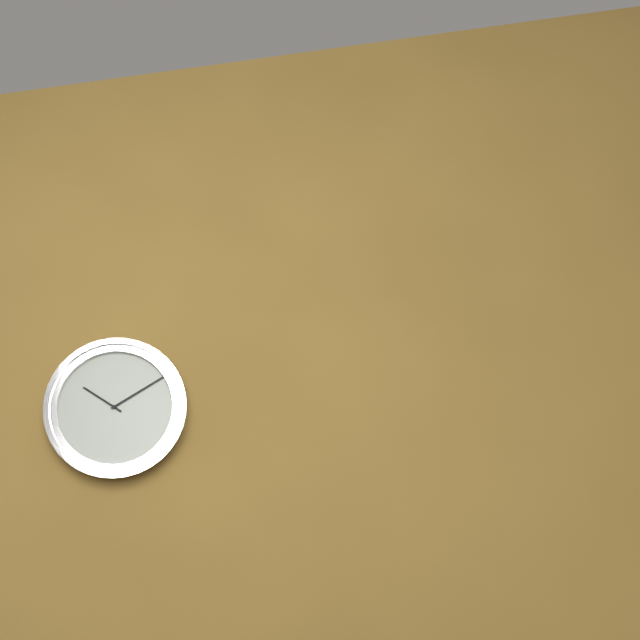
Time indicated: 10:10
